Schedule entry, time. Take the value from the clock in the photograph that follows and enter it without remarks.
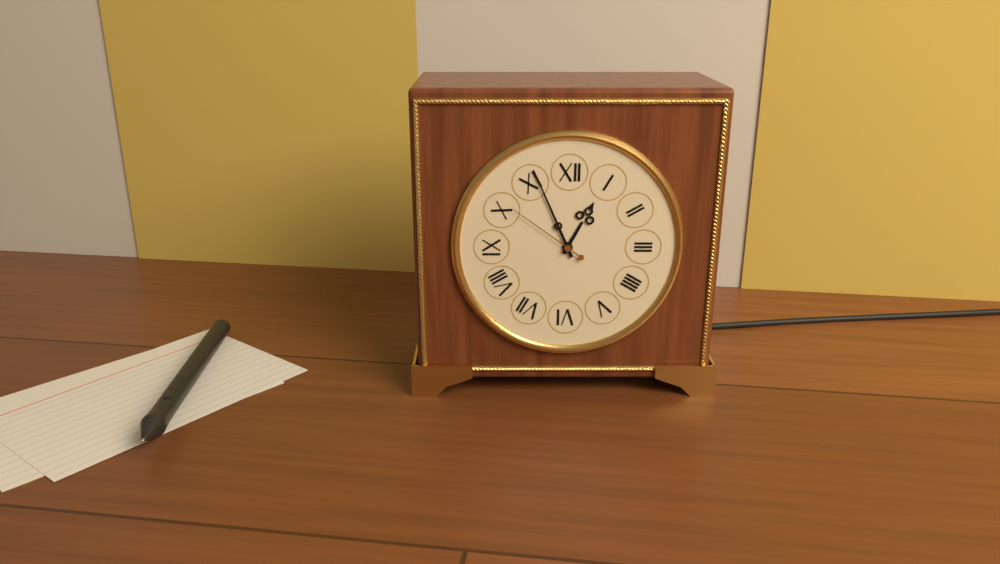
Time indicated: 12:56:51
